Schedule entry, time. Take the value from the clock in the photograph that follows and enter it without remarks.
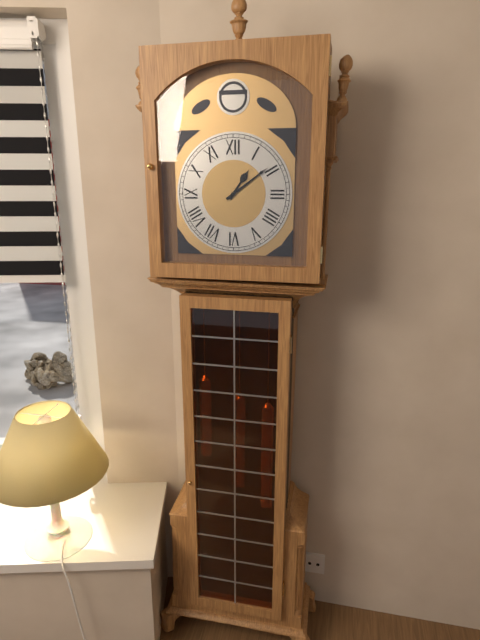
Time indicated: 1:09
